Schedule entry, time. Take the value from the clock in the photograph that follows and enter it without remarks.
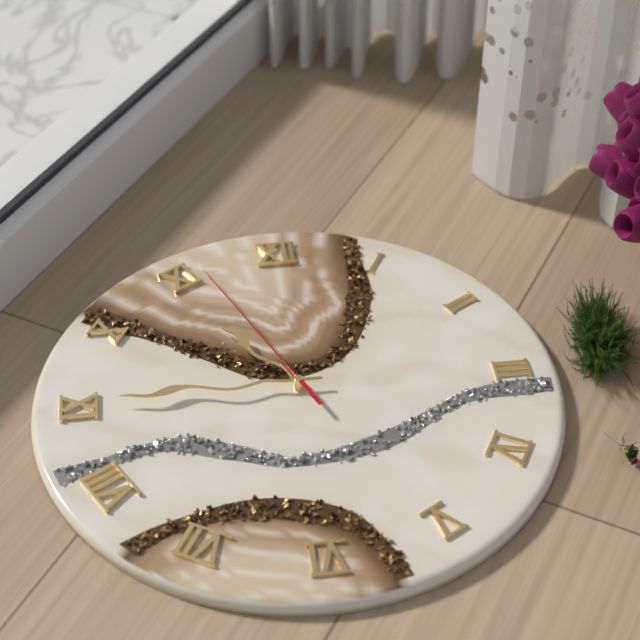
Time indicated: 10:45:56
